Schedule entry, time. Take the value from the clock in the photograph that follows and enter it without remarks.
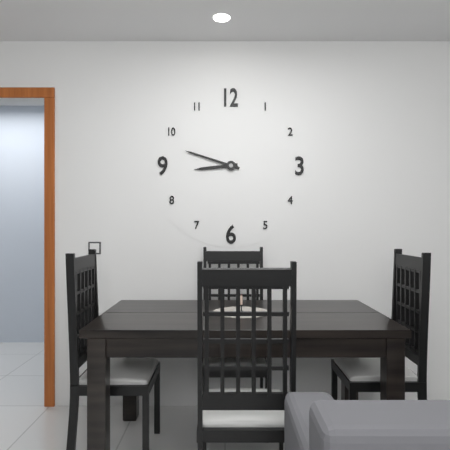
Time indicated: 8:48
